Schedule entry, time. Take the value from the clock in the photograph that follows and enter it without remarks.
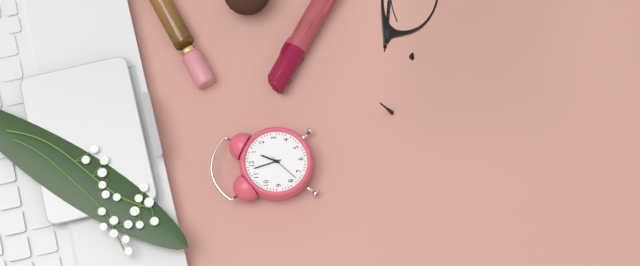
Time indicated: 12:58
